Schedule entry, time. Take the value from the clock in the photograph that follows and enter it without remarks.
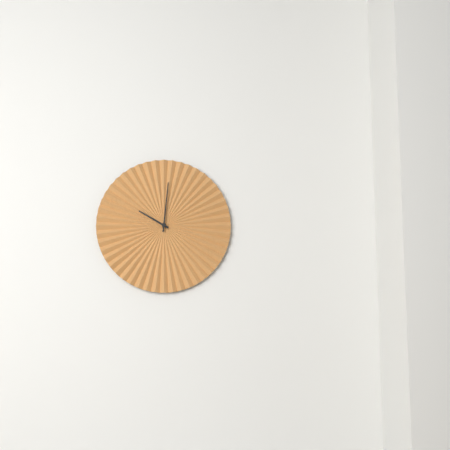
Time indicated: 10:01
